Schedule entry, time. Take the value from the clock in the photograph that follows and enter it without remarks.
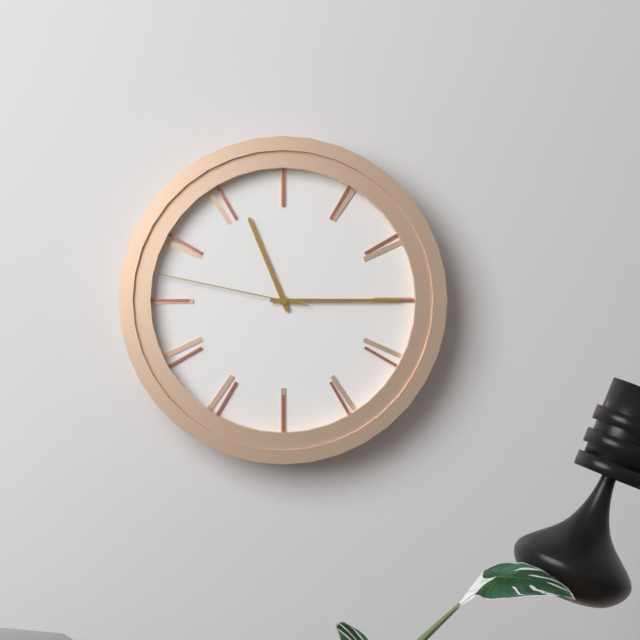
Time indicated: 11:15:47
